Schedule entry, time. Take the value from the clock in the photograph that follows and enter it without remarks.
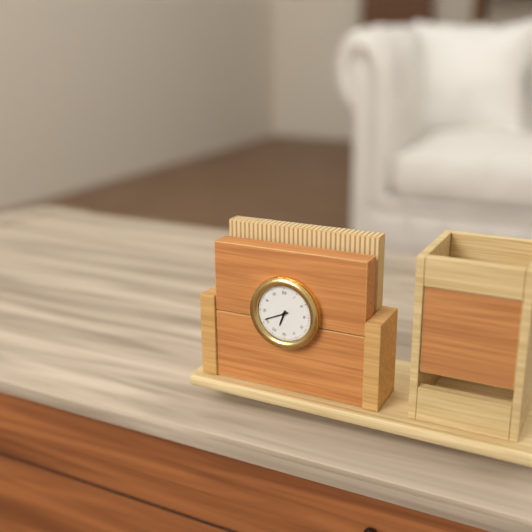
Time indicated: 6:41
